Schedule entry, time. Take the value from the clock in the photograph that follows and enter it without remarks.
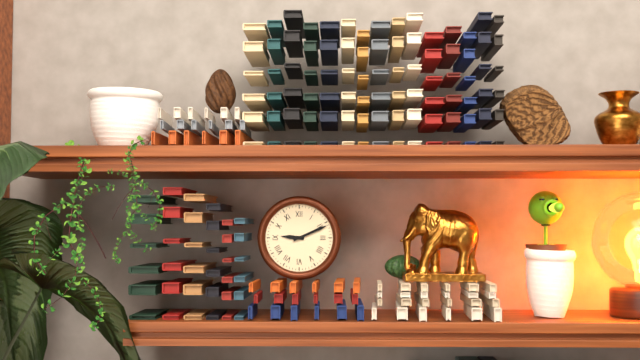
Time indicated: 9:11
